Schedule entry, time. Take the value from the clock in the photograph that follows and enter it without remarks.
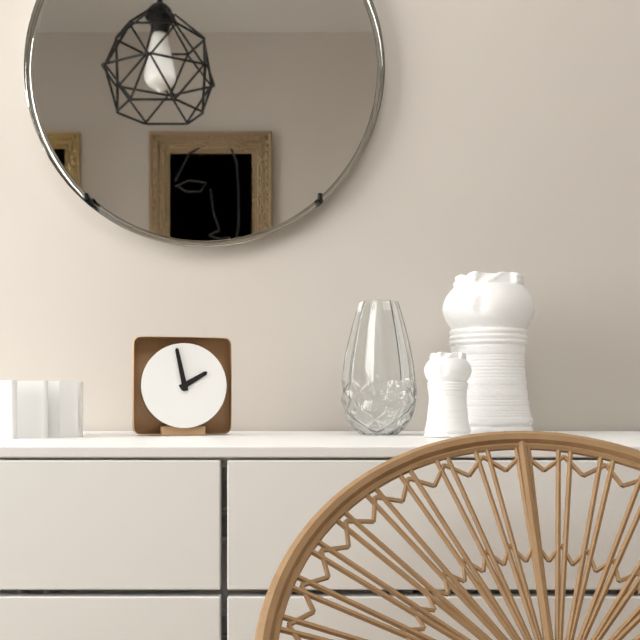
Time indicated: 1:58
